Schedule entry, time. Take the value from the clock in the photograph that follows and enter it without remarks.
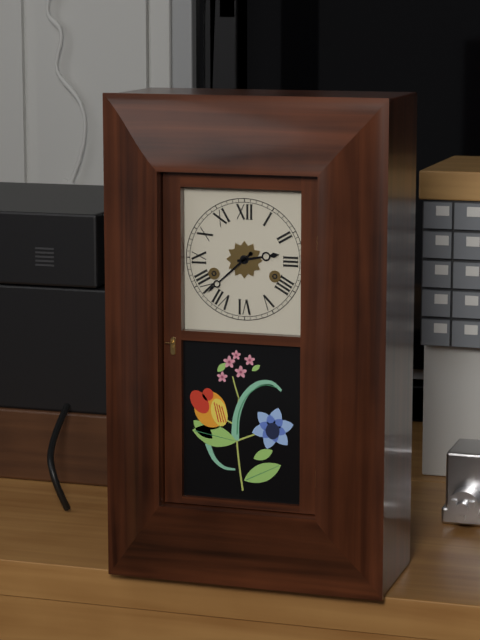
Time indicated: 2:38
